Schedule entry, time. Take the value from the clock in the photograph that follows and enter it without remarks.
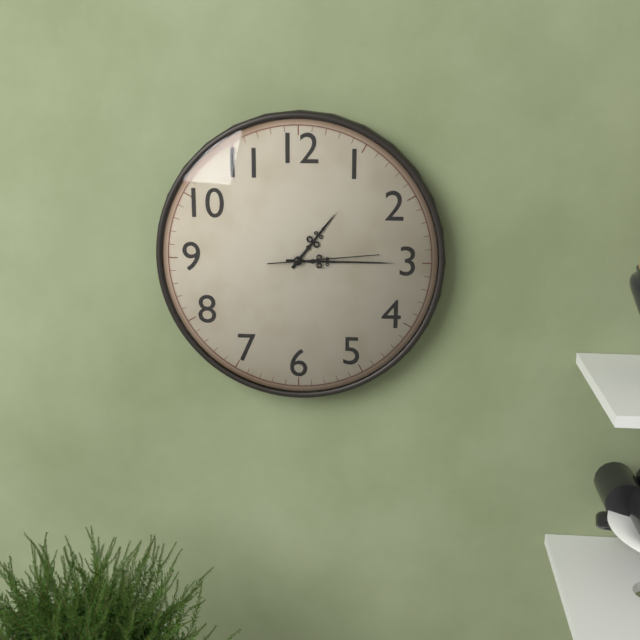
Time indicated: 1:15:14
